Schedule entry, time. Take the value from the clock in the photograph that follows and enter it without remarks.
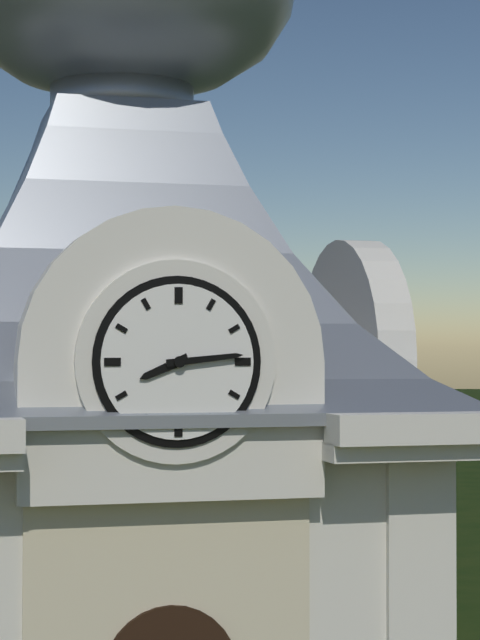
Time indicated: 8:14
